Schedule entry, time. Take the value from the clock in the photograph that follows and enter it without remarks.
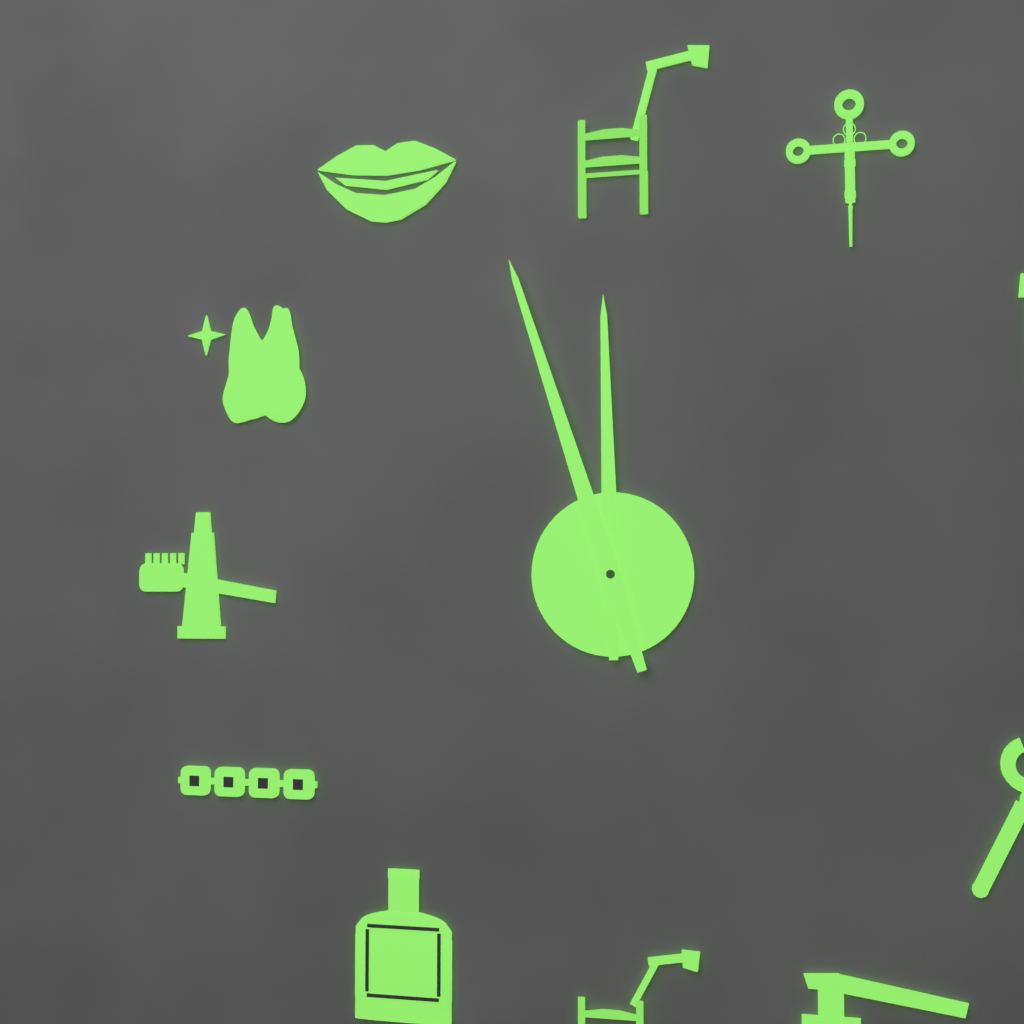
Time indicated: 11:57
